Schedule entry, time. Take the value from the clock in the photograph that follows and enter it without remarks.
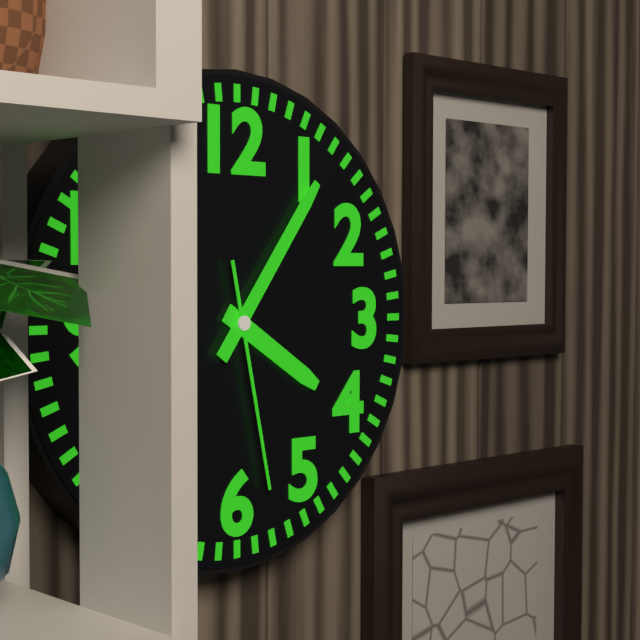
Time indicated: 4:06:28
